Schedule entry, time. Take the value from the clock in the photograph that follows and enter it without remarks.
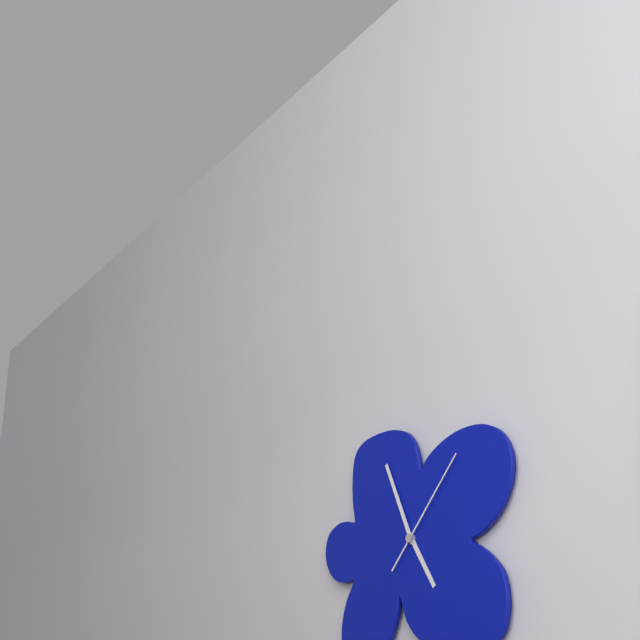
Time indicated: 4:56:07
